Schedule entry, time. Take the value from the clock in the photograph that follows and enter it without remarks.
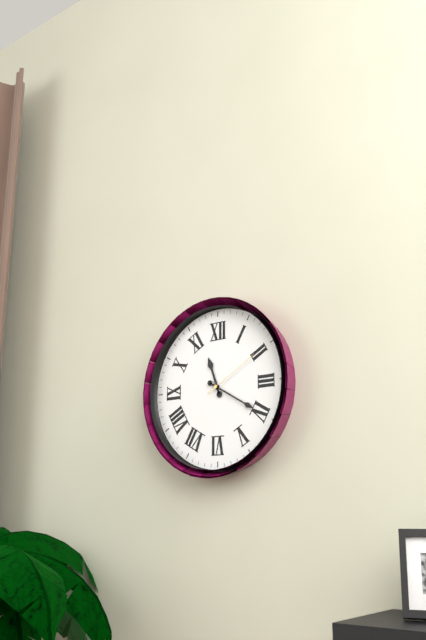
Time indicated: 11:20:10
